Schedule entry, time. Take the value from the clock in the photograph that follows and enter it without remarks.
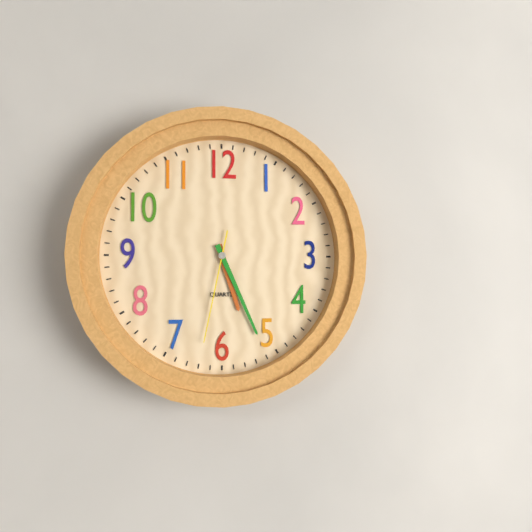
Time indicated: 5:26:32
